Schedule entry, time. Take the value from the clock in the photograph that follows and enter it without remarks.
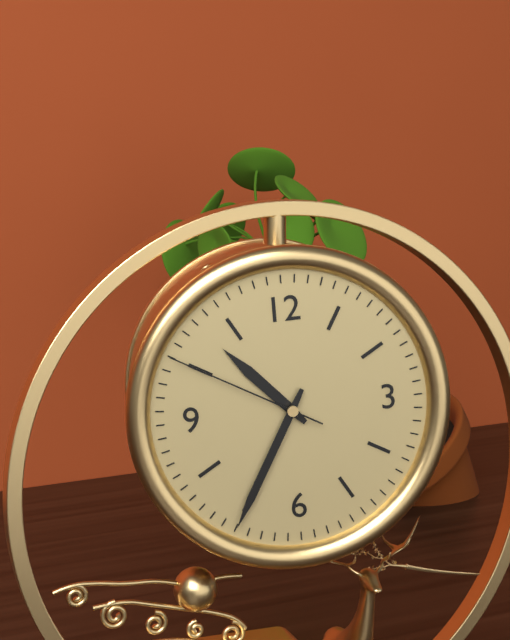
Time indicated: 10:35:50
